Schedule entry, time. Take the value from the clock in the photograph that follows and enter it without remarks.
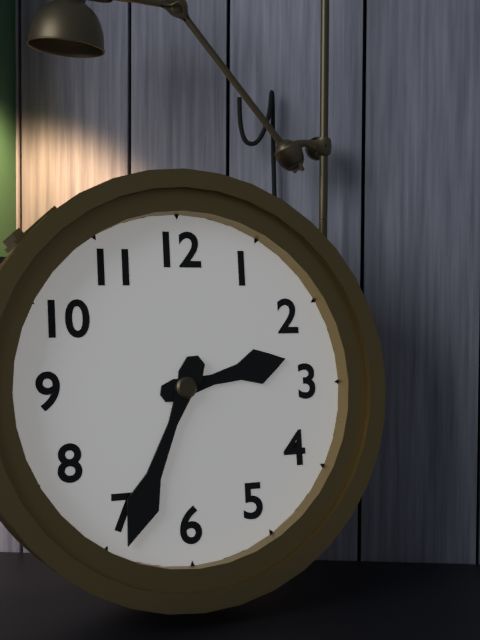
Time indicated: 2:34
